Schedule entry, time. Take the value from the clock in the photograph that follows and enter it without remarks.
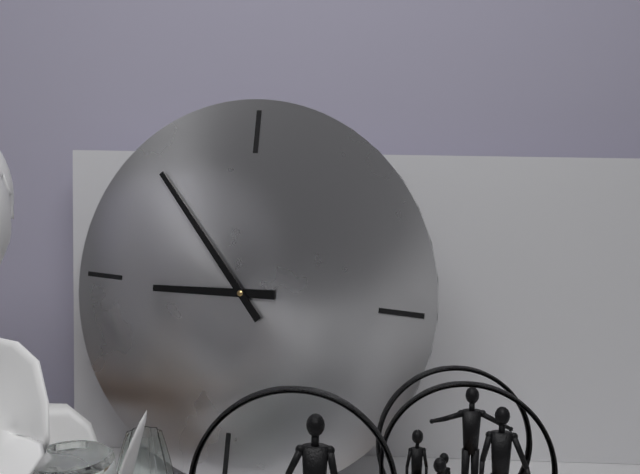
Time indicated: 8:53
